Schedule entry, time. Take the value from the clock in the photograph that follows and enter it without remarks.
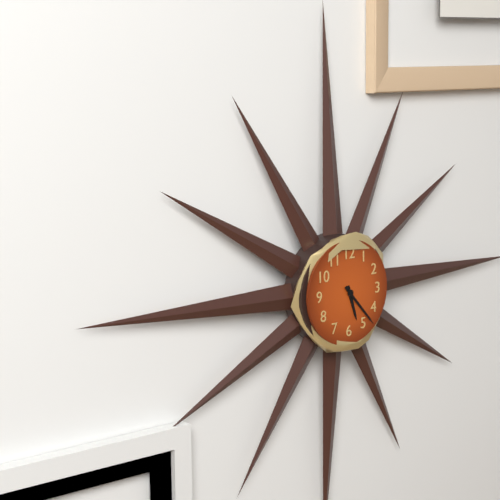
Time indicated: 5:23
